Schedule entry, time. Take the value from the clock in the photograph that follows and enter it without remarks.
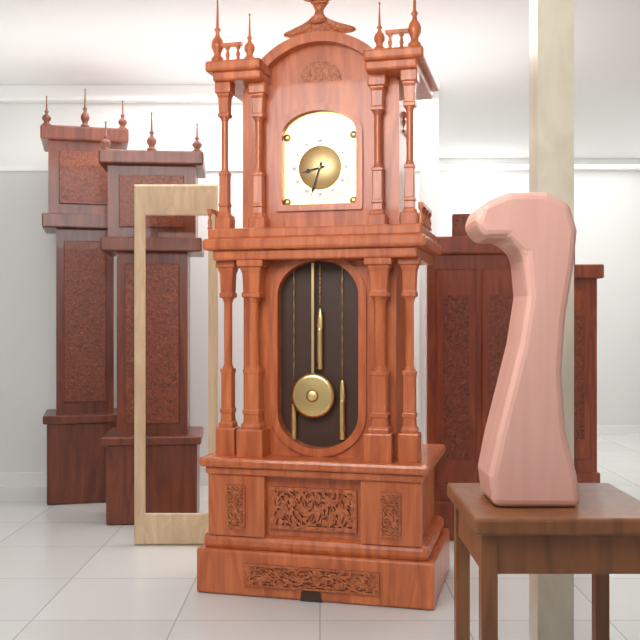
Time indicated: 8:33
